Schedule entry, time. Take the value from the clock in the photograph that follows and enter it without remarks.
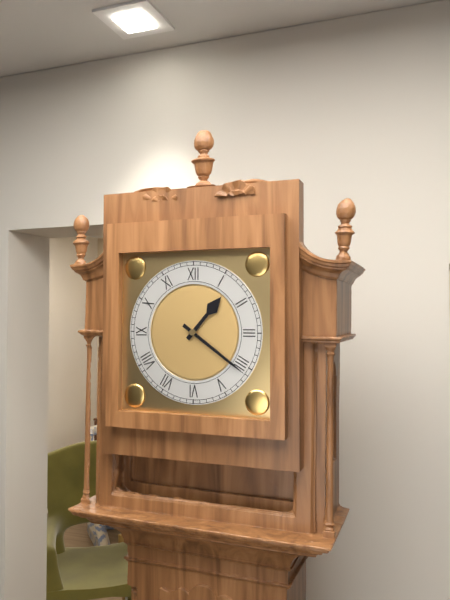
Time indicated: 1:21
